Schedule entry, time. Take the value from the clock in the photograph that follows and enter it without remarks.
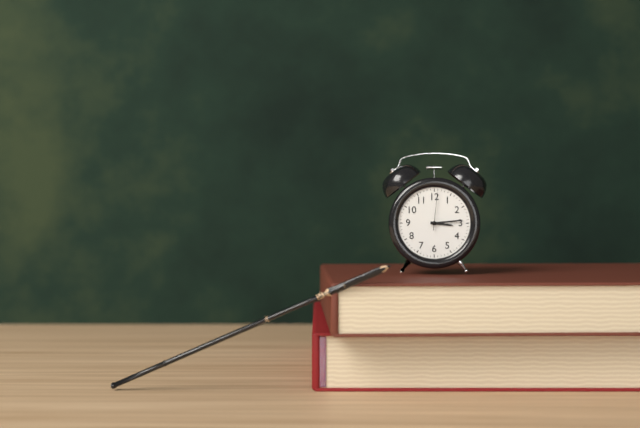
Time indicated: 3:14
